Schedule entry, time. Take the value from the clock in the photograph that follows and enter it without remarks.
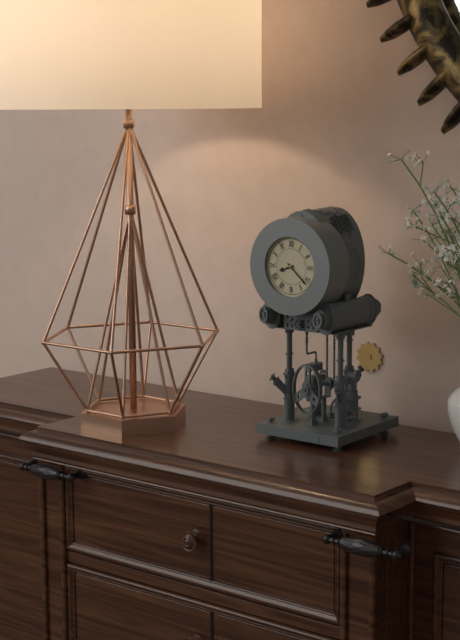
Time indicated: 8:22
